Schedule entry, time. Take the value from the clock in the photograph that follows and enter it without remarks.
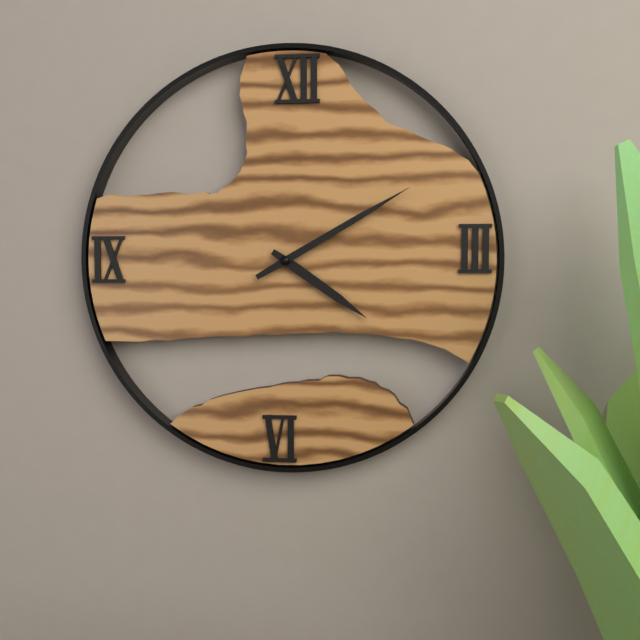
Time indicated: 4:10
